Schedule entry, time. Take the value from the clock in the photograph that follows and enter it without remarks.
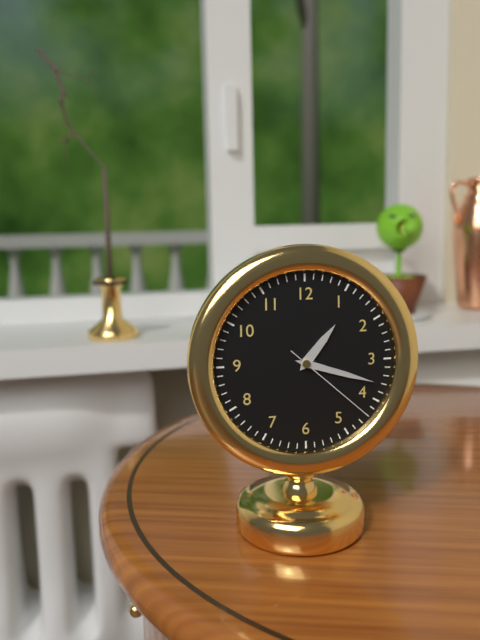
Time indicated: 1:18:22
